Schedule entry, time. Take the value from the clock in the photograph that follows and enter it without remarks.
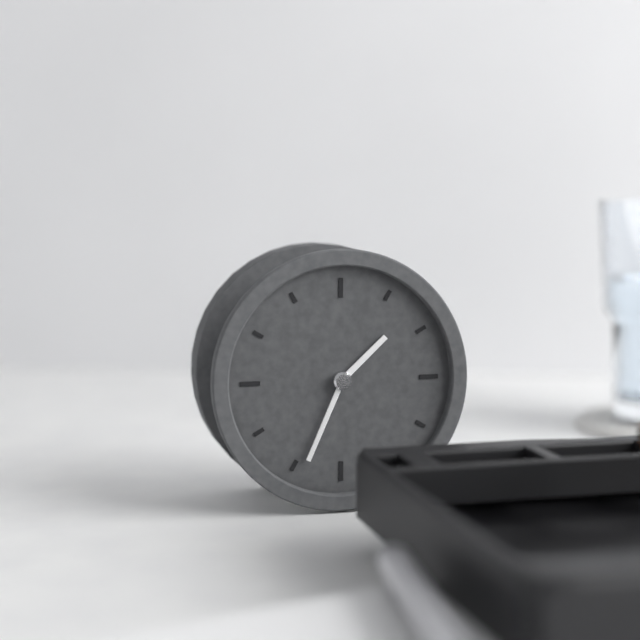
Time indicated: 1:34
